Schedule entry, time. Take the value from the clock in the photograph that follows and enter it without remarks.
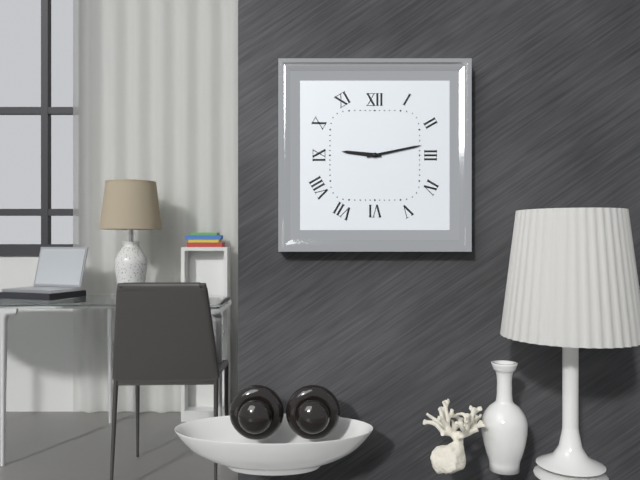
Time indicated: 9:13
